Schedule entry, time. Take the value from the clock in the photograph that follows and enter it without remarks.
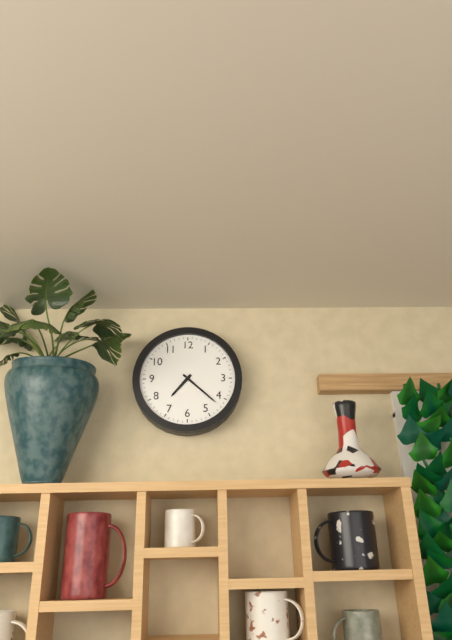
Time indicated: 7:22
